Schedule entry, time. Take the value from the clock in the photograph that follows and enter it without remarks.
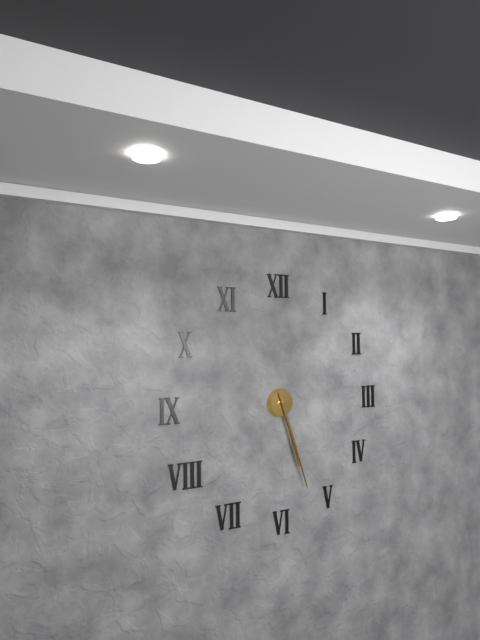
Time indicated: 5:27
